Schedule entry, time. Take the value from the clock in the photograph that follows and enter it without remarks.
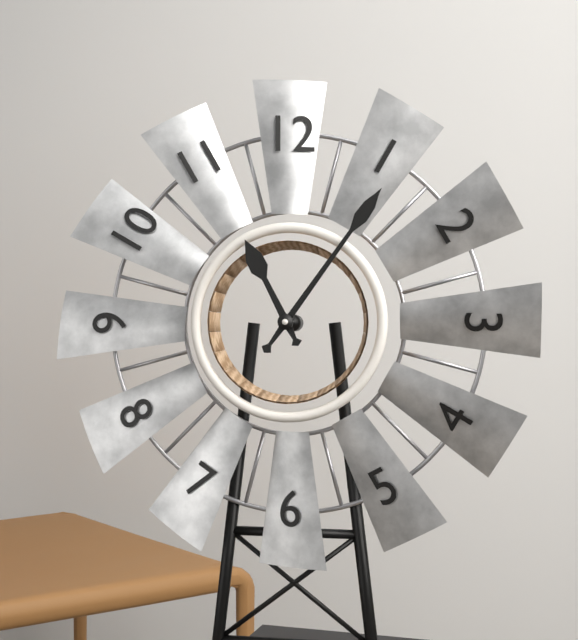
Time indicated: 11:06
